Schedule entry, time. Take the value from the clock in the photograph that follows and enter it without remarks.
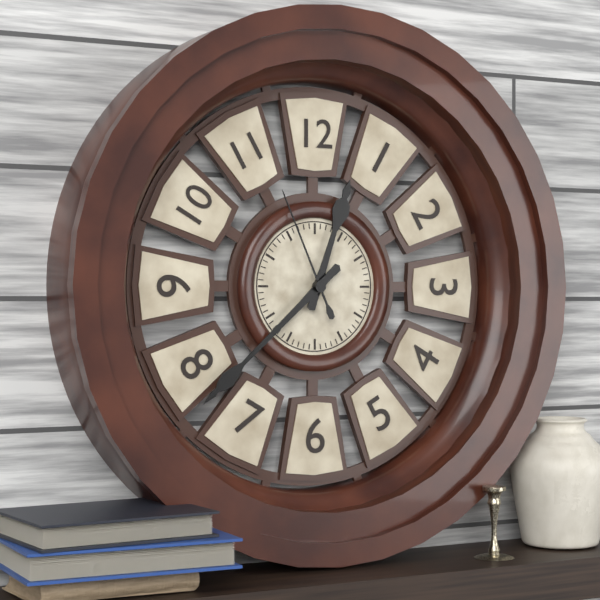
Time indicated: 12:38:56
